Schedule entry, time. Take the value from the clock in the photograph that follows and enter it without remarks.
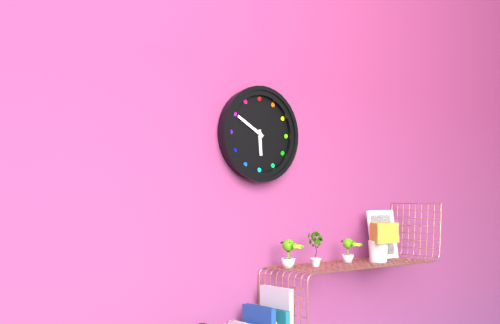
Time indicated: 5:50
